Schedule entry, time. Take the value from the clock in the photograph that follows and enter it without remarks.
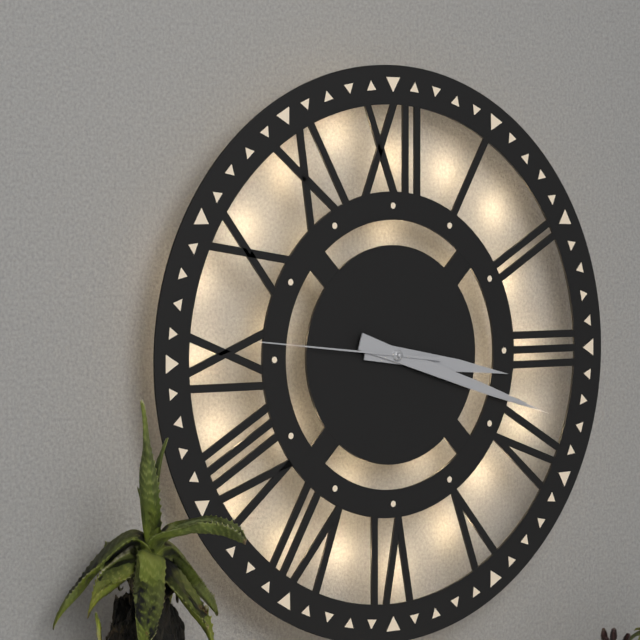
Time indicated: 3:18:46
